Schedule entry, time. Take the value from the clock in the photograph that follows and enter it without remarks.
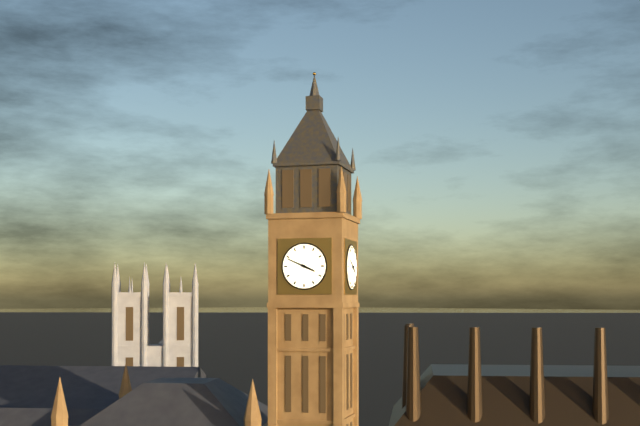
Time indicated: 3:49
